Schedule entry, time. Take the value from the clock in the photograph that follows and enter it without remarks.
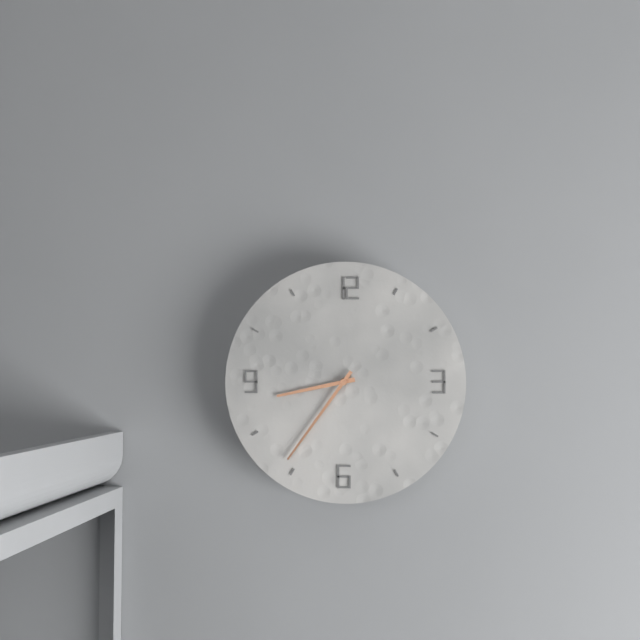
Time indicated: 8:36
